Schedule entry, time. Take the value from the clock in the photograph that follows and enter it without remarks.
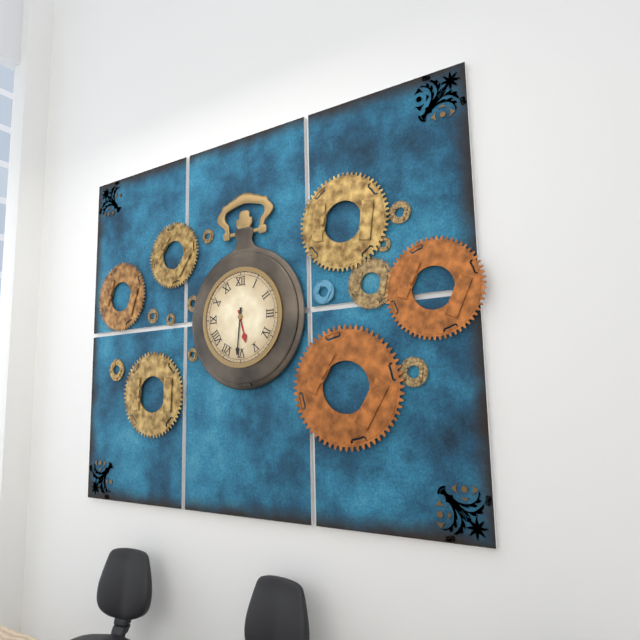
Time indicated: 5:31
